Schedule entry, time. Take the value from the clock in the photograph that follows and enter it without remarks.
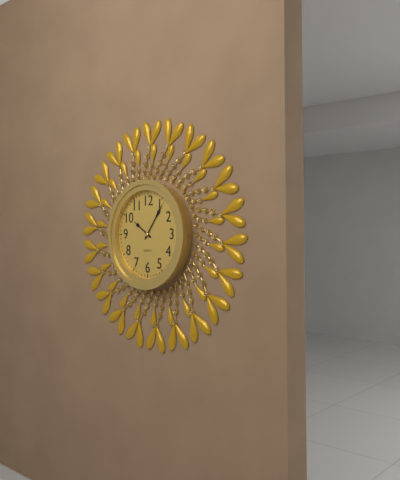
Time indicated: 10:06
